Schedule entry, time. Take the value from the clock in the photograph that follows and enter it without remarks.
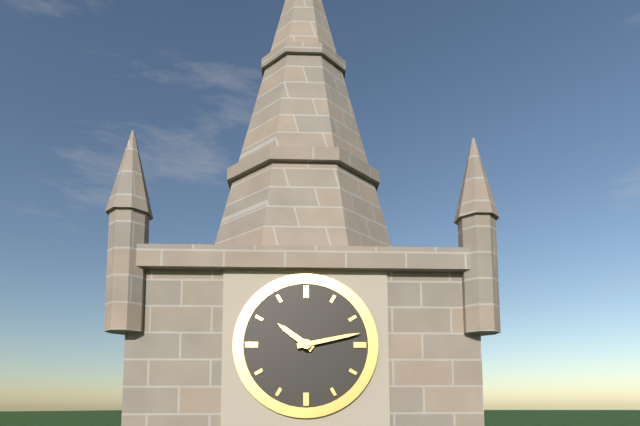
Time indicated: 10:13
